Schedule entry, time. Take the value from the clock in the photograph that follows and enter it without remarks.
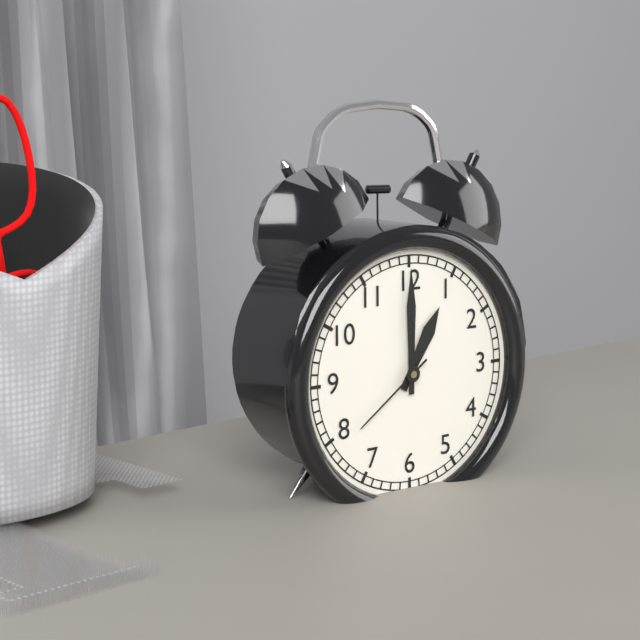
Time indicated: 1:00:39
